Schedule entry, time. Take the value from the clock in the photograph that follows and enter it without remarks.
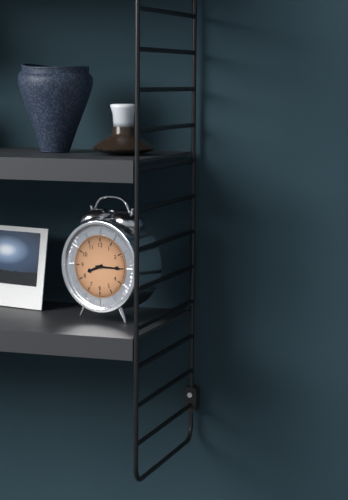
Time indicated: 8:15
